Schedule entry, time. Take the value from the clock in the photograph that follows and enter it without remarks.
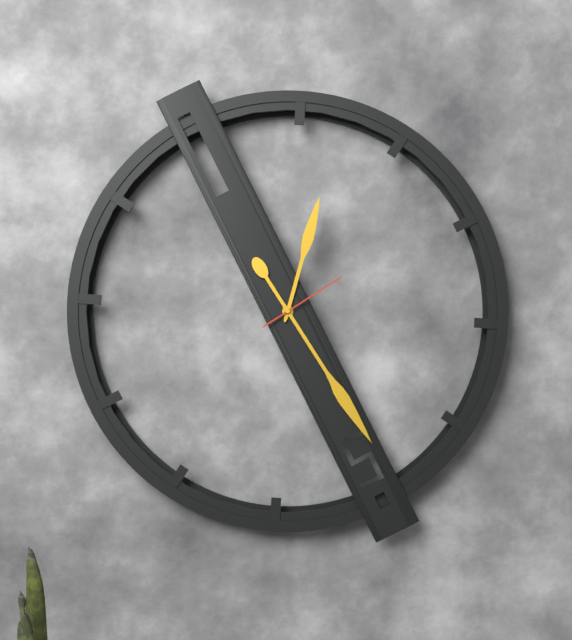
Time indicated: 12:24:09
